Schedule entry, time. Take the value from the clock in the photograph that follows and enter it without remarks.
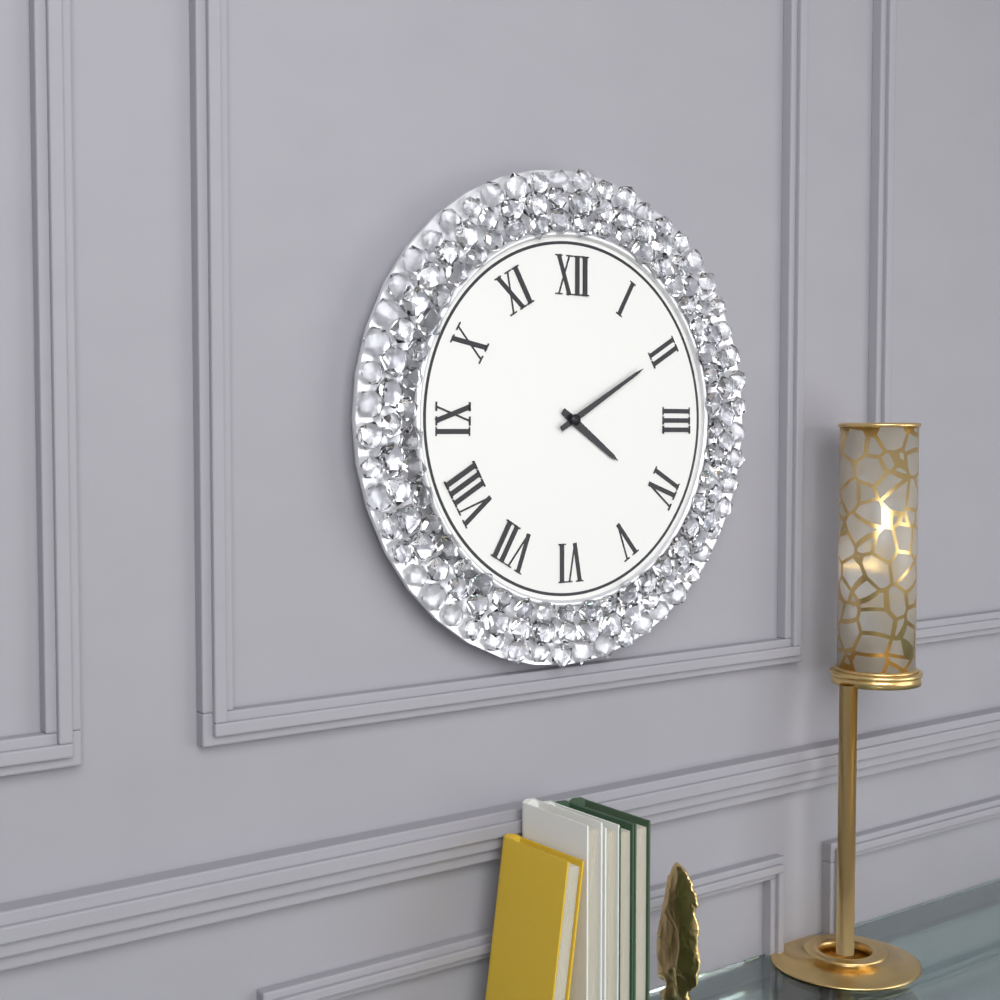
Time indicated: 4:10
